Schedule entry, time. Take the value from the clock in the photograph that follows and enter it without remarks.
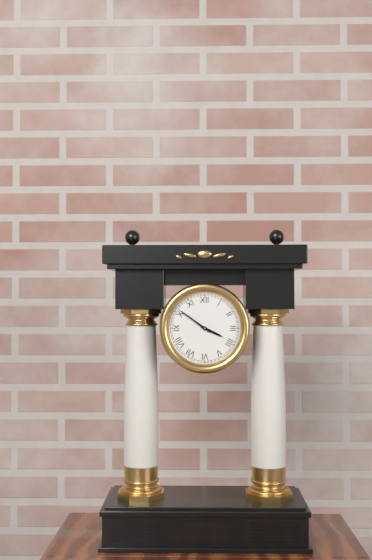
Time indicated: 3:51
